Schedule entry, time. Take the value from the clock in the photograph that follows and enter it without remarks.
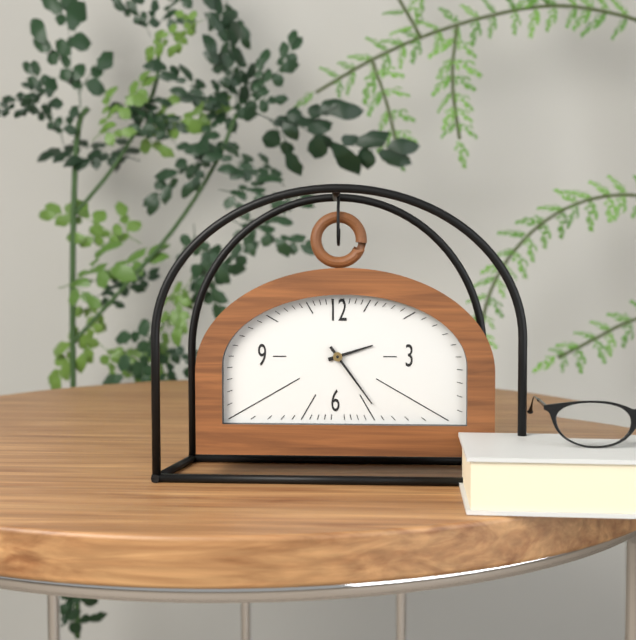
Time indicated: 2:24
